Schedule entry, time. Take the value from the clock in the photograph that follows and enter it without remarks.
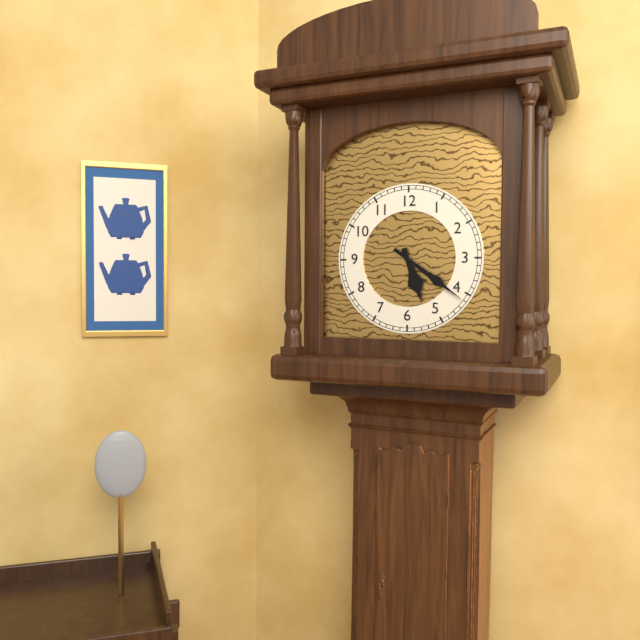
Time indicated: 5:21
